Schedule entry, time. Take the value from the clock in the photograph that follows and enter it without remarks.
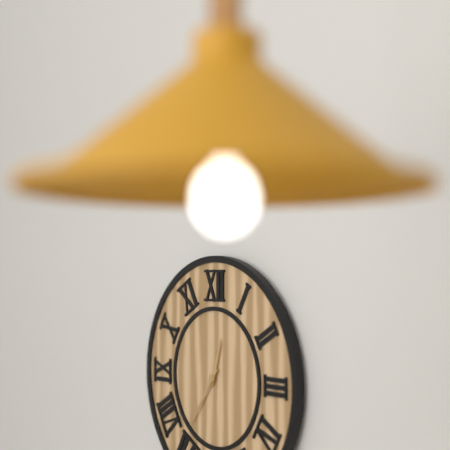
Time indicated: 12:36
